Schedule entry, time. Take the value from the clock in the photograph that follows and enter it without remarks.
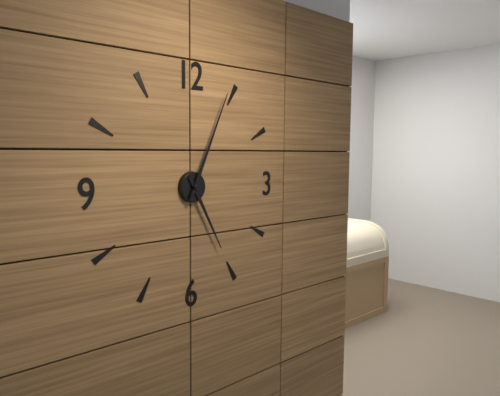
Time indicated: 5:04
